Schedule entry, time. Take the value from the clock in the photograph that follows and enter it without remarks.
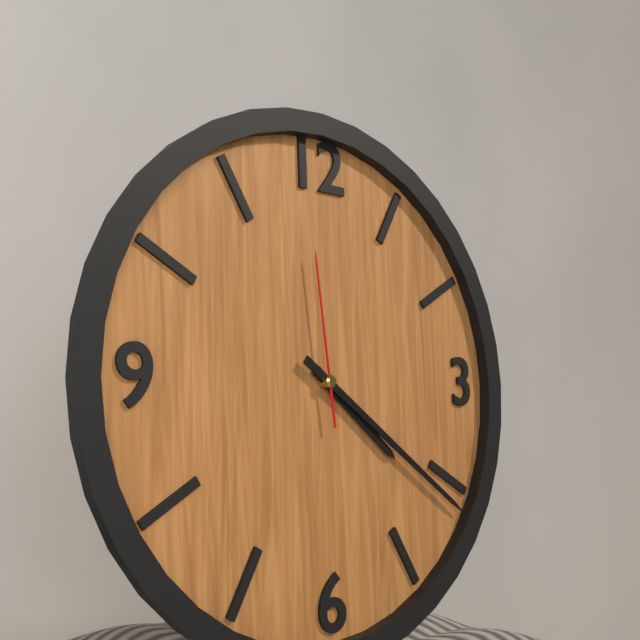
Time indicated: 4:21:59
